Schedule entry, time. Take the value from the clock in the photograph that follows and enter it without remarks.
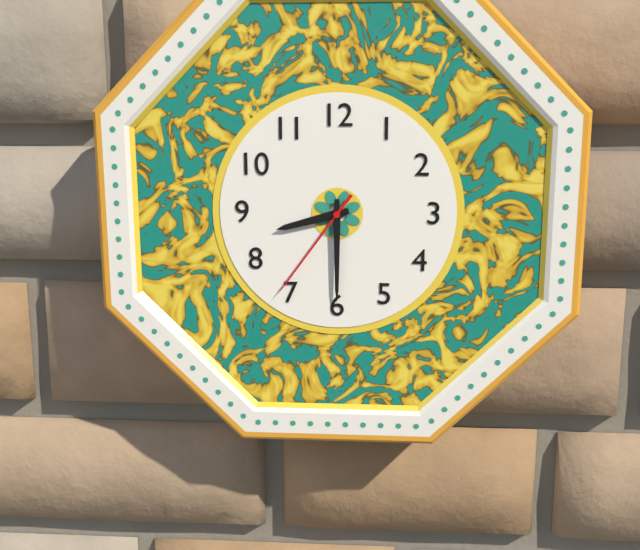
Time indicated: 8:30:36
